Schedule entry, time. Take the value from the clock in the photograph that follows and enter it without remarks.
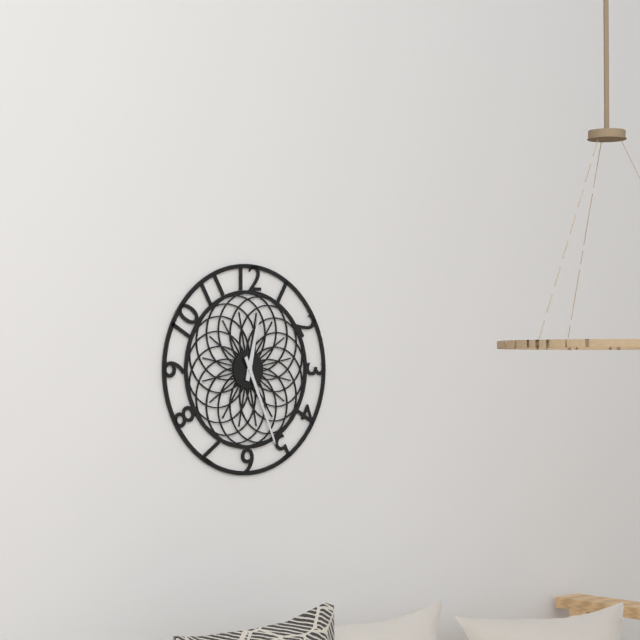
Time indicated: 12:26
